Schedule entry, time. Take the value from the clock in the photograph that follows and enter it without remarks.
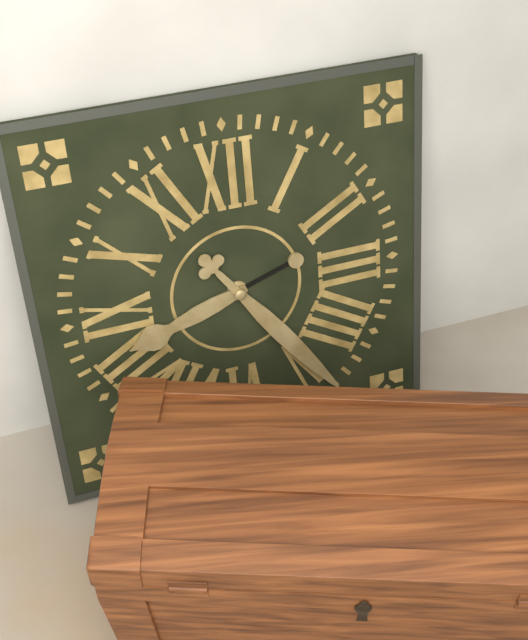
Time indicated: 8:24
